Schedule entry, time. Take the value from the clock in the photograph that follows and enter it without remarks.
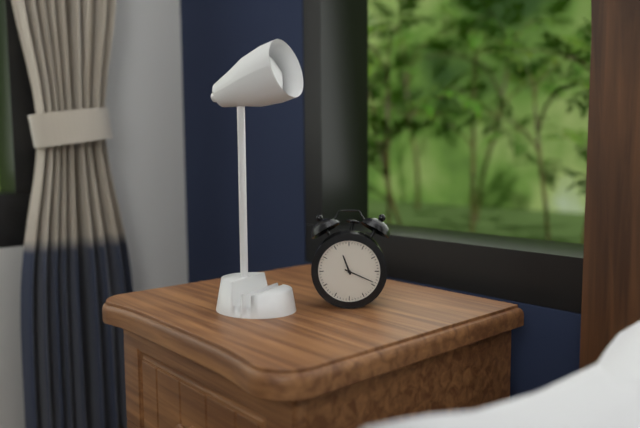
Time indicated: 11:19
